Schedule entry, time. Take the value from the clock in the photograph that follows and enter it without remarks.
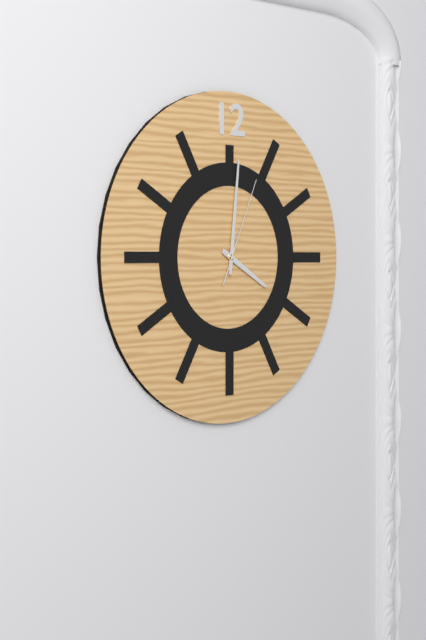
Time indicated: 4:01:04
